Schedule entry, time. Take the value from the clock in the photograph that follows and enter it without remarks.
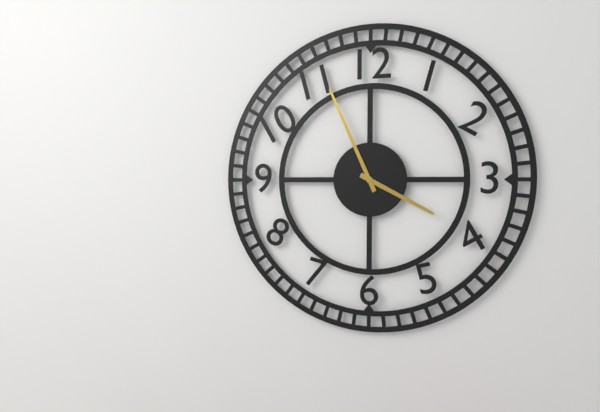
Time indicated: 3:56
